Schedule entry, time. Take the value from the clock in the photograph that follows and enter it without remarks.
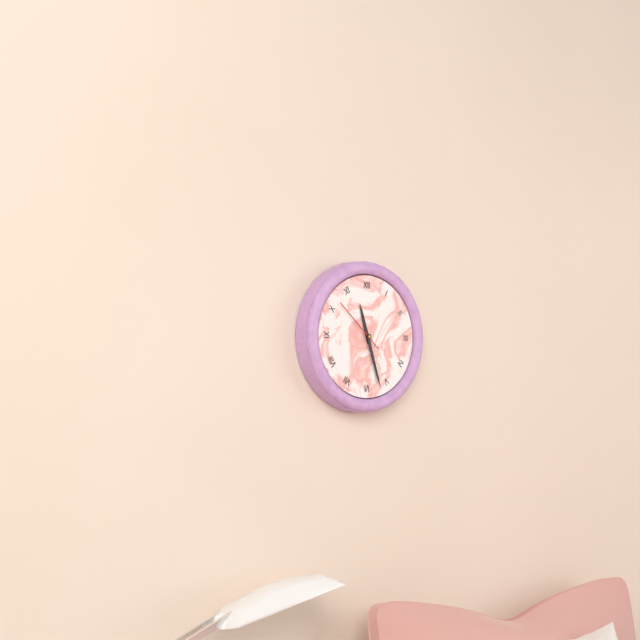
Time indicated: 11:27:52
